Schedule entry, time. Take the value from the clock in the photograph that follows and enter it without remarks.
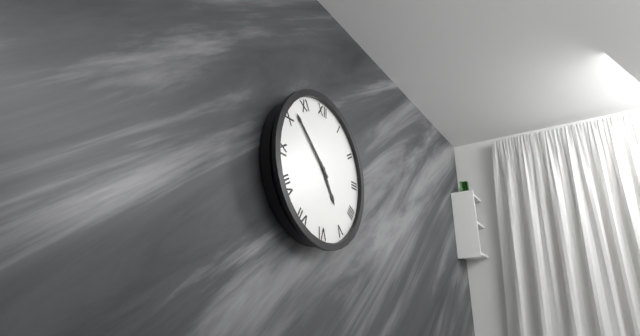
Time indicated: 4:52
